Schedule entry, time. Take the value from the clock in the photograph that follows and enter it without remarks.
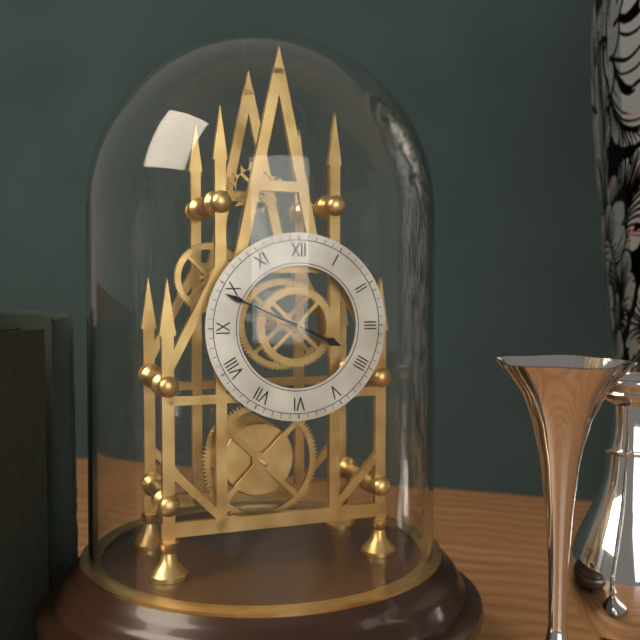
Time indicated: 3:49
